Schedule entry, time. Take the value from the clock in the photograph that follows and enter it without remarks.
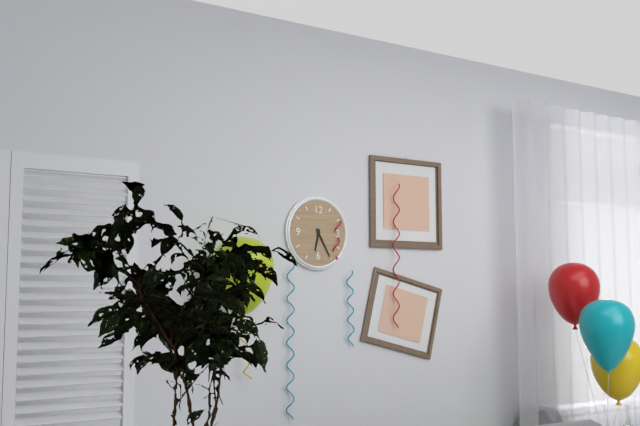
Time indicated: 6:25
